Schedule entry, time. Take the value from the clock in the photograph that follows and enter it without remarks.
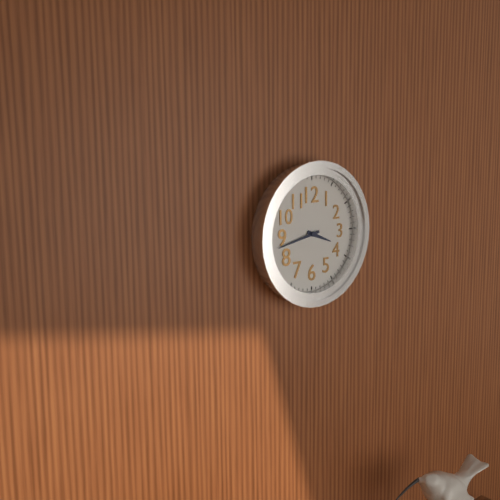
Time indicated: 3:43
